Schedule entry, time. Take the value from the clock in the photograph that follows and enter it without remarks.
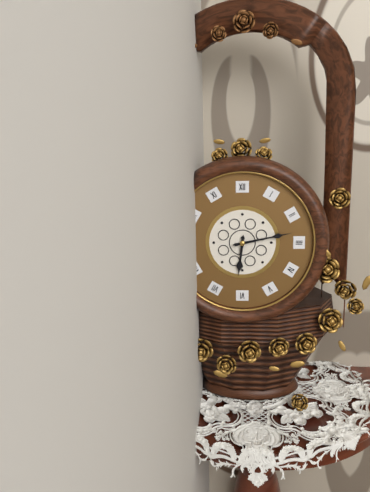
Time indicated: 6:13
